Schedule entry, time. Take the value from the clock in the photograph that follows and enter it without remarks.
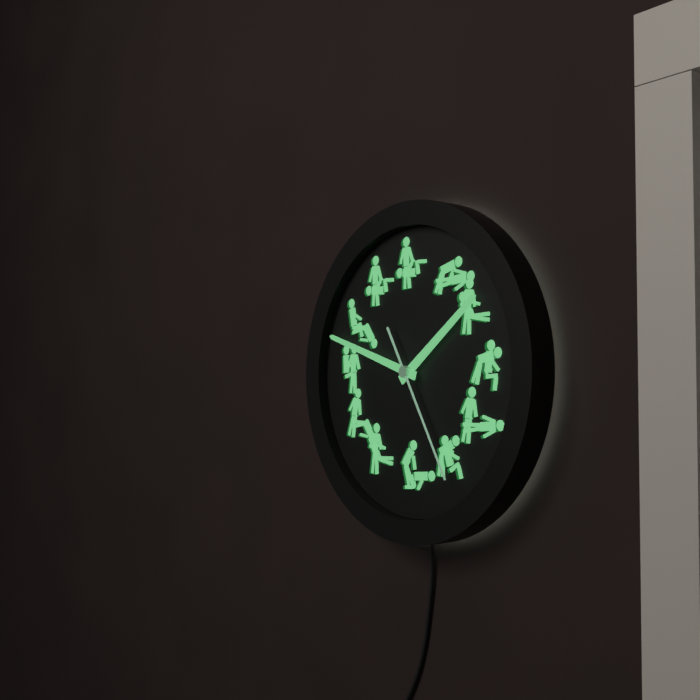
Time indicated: 1:48:25
